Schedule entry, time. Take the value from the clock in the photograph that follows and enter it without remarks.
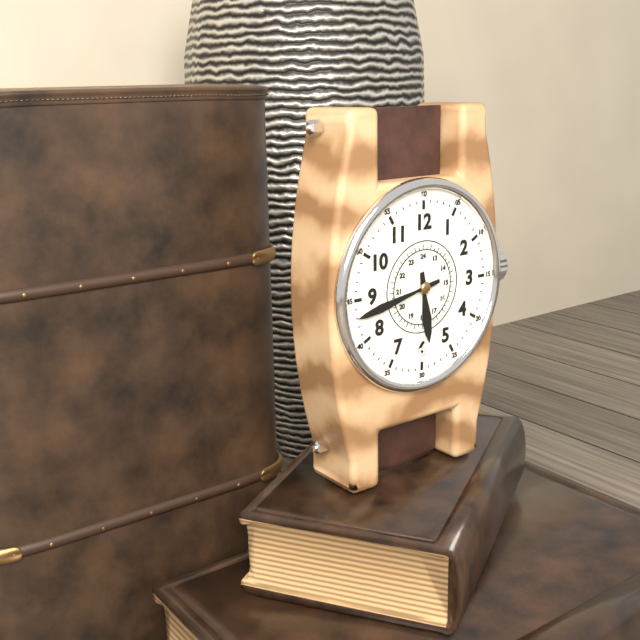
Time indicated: 5:43
